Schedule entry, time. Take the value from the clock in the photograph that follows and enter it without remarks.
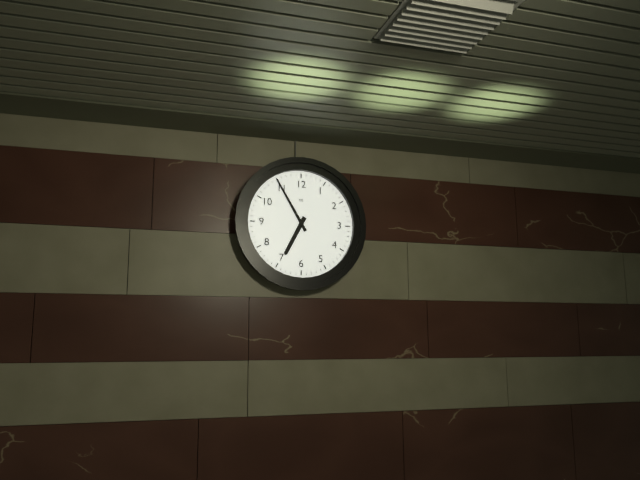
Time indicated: 6:55
